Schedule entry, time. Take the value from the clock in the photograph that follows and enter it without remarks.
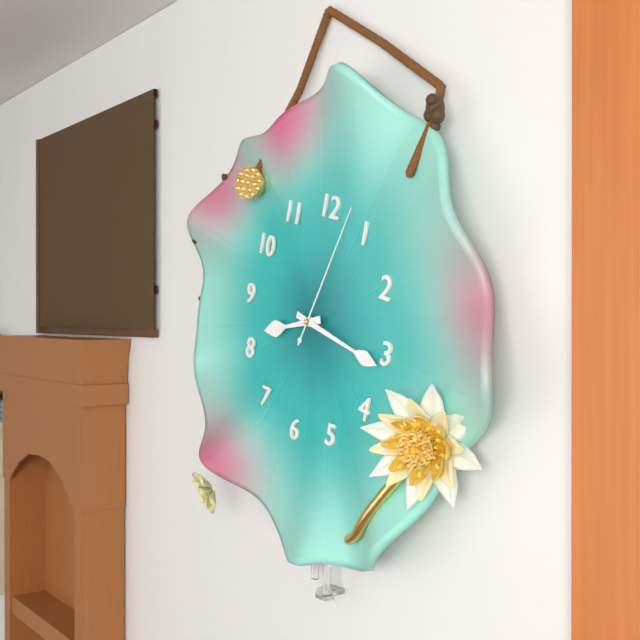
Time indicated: 8:16:03
